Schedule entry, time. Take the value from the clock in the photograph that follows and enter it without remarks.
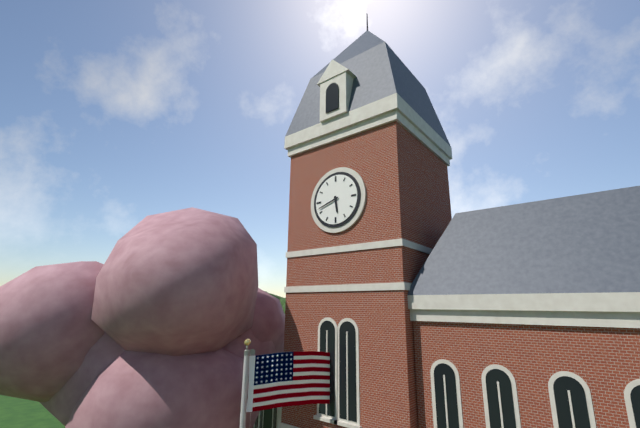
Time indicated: 5:42
